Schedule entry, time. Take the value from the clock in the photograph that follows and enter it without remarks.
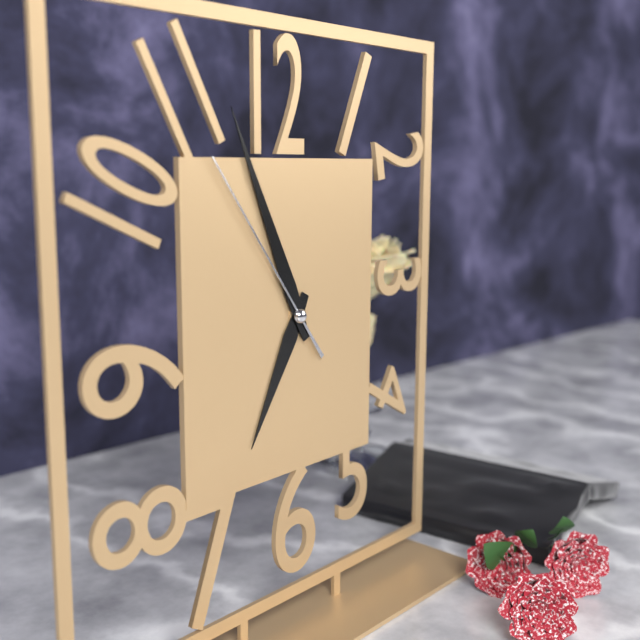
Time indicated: 6:56:54
